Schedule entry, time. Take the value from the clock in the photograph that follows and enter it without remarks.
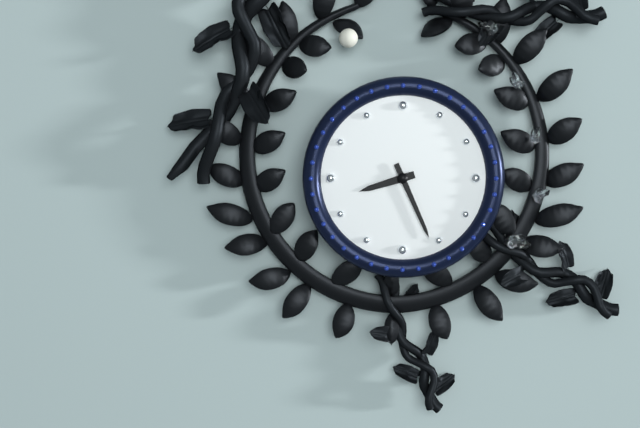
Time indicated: 8:26
